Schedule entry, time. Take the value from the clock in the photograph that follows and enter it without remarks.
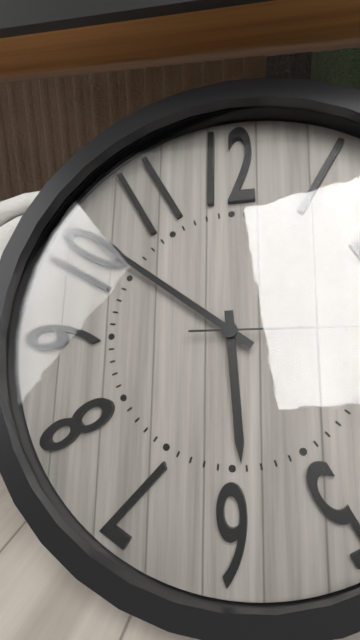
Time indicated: 5:51
